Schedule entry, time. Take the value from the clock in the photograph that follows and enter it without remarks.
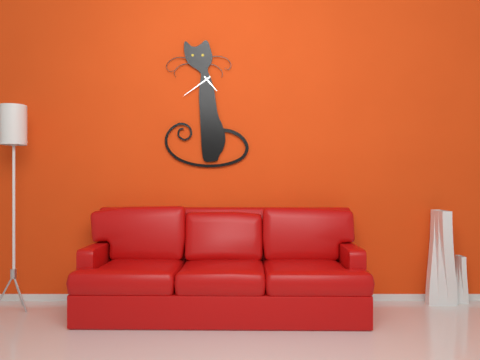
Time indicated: 4:39
